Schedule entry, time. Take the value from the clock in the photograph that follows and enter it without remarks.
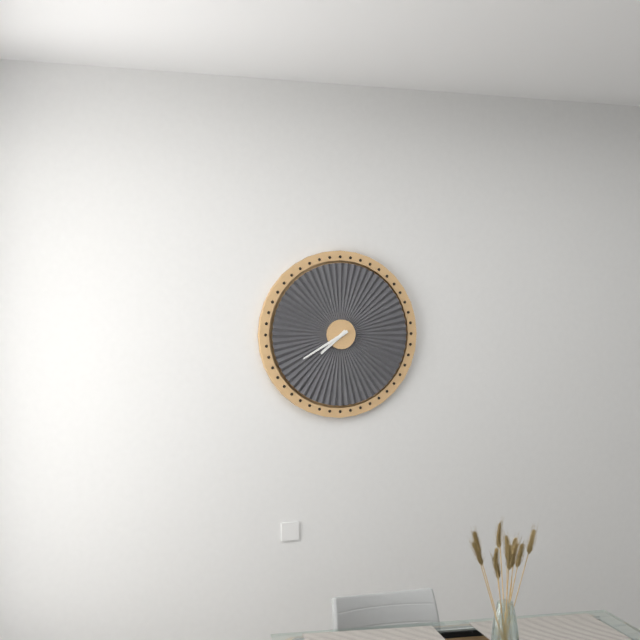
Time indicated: 7:40
